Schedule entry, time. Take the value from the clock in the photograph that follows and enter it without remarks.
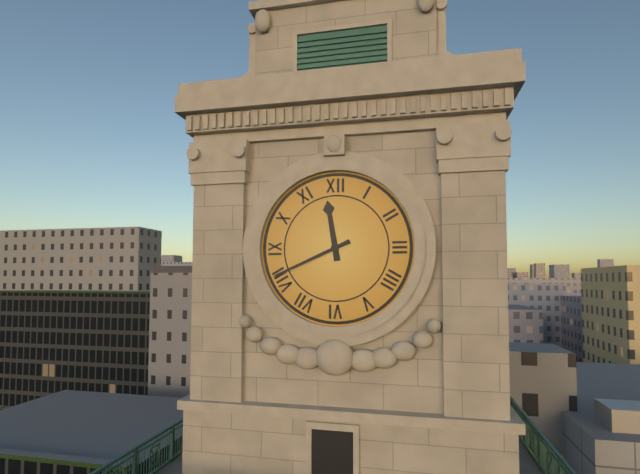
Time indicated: 11:41
